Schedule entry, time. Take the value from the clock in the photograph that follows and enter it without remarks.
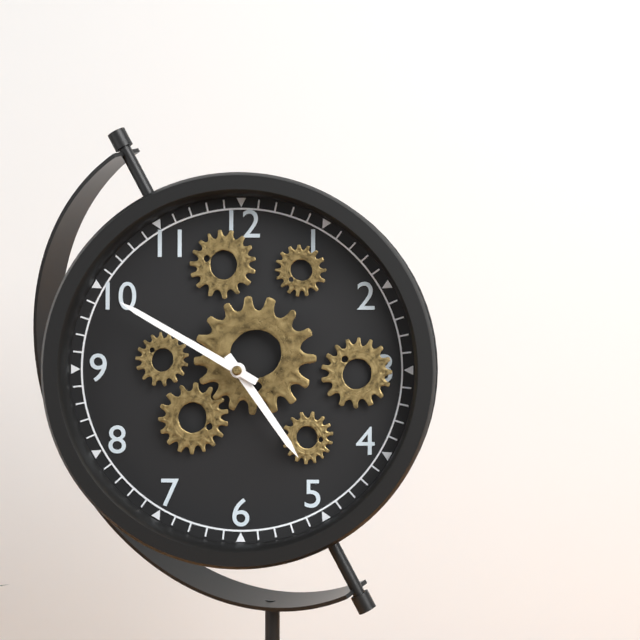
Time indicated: 4:50
